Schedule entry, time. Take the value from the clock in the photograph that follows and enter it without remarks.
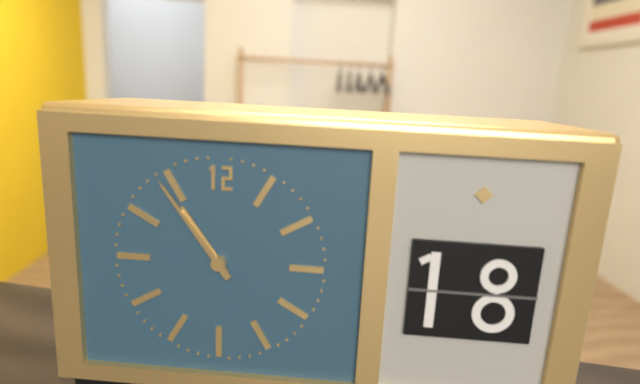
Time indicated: 10:54
